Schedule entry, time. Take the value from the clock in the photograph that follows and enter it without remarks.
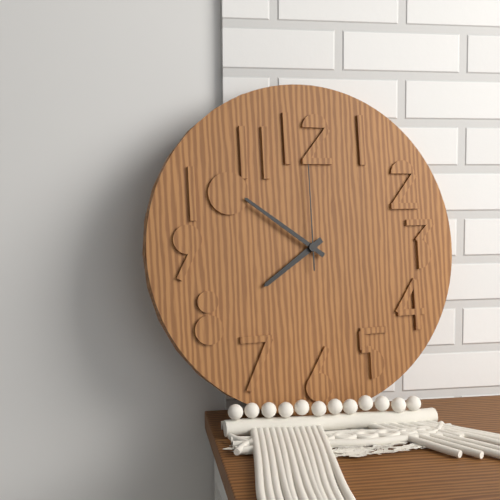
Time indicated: 7:51:00
